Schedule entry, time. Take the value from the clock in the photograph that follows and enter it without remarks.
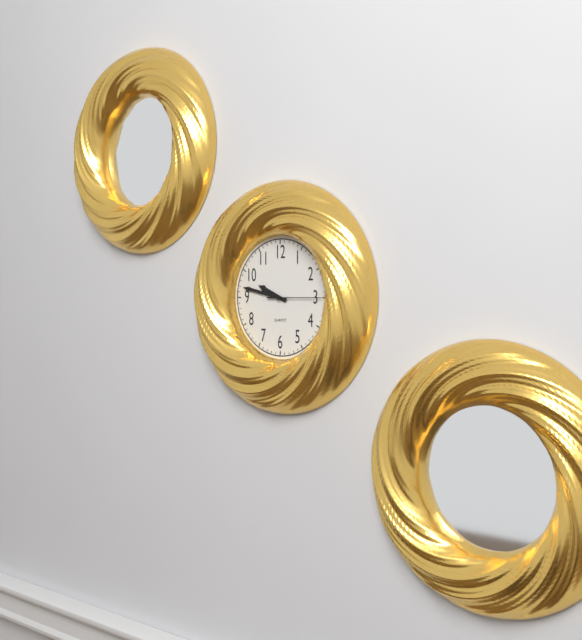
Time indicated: 9:47
